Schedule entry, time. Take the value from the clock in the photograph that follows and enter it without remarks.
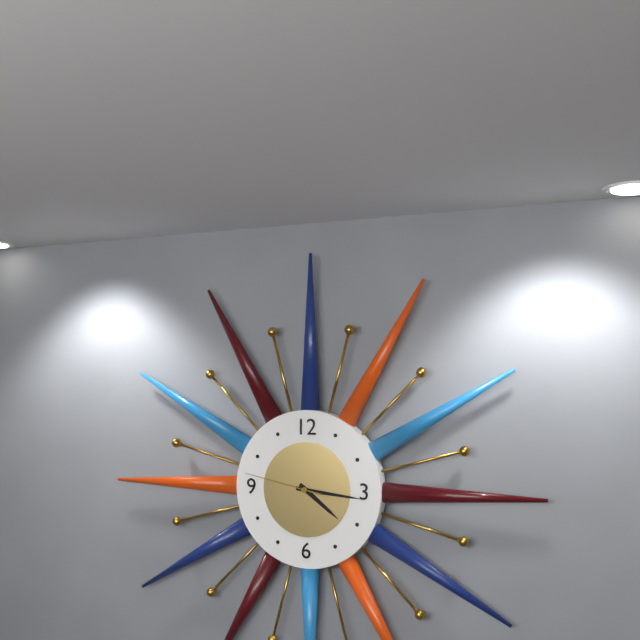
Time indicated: 4:16:47
